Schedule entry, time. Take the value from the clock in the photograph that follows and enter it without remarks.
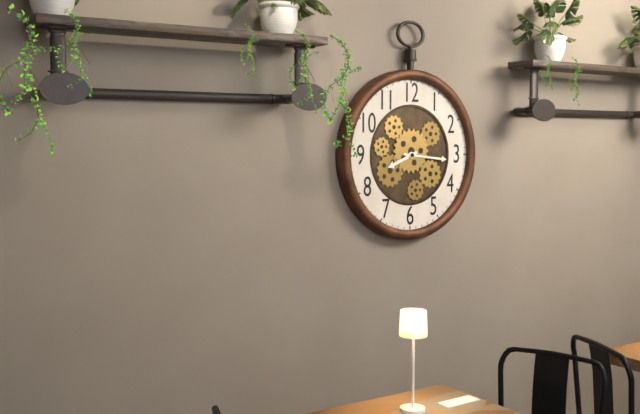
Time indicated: 8:16
